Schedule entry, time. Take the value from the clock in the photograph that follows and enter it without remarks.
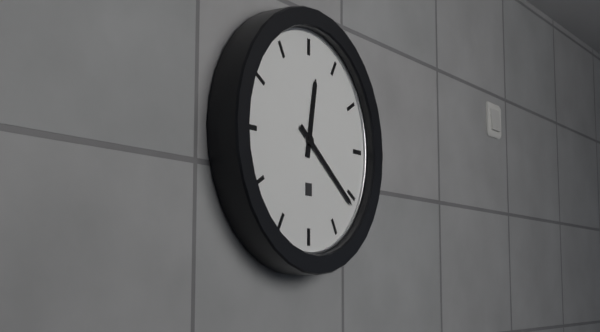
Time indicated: 12:21
